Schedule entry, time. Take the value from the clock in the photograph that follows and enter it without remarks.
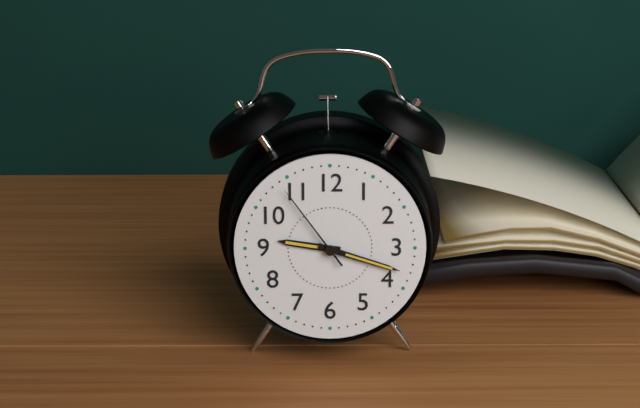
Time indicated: 9:18:54
